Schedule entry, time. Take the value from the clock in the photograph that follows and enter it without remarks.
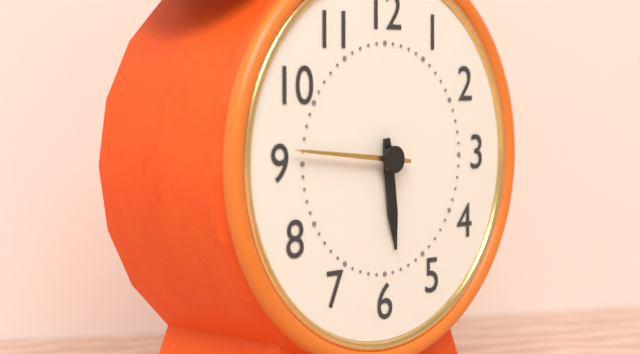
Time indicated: 5:46
